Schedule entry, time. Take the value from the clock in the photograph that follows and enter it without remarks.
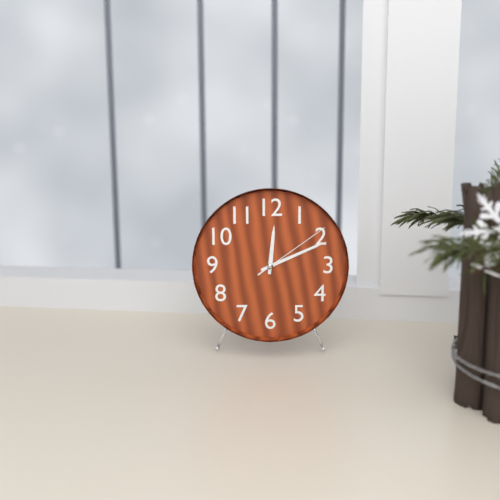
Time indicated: 12:11:09
